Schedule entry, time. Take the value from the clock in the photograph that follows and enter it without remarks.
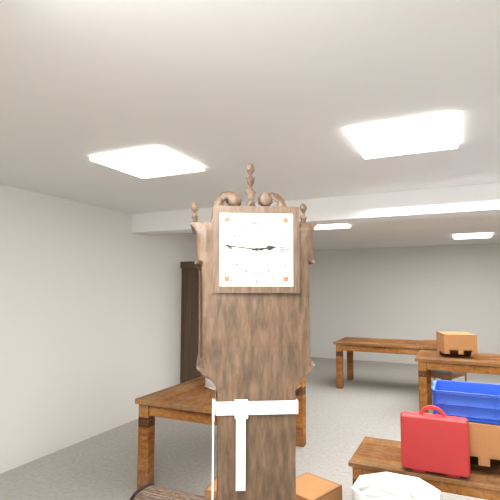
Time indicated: 2:46
